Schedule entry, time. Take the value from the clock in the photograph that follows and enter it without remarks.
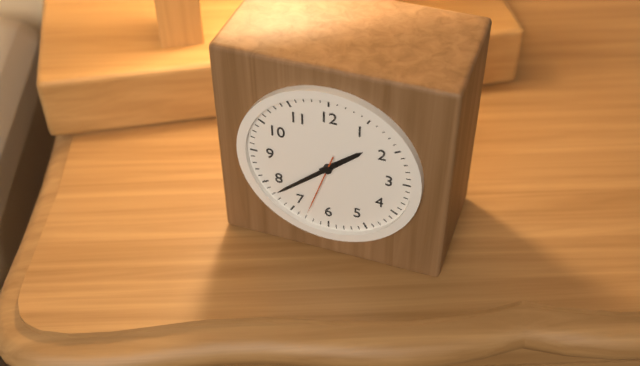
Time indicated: 1:38:33
